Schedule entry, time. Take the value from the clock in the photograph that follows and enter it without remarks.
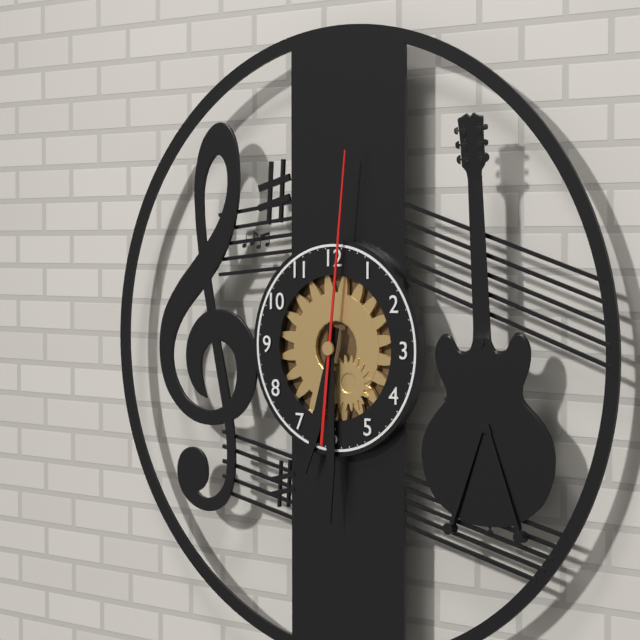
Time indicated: 6:30:01
